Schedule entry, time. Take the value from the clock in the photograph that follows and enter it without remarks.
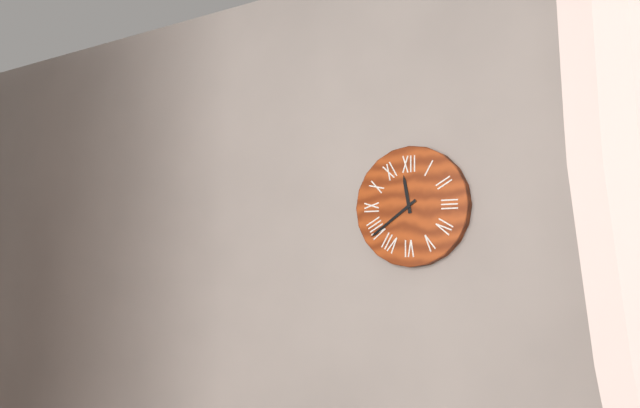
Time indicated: 11:39
